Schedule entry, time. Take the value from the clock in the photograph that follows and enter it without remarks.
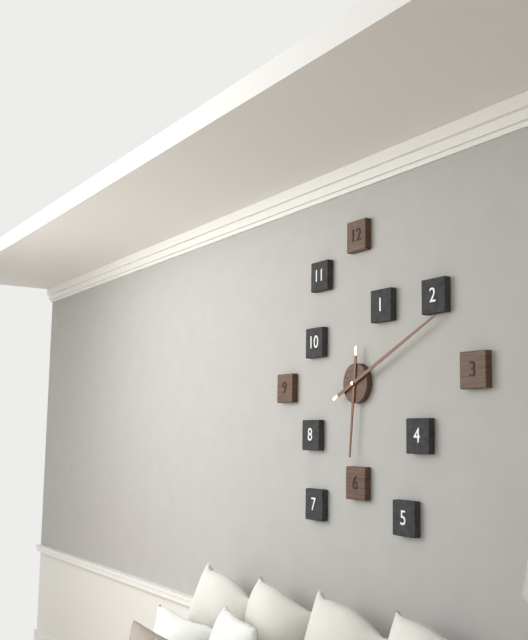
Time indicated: 6:11
